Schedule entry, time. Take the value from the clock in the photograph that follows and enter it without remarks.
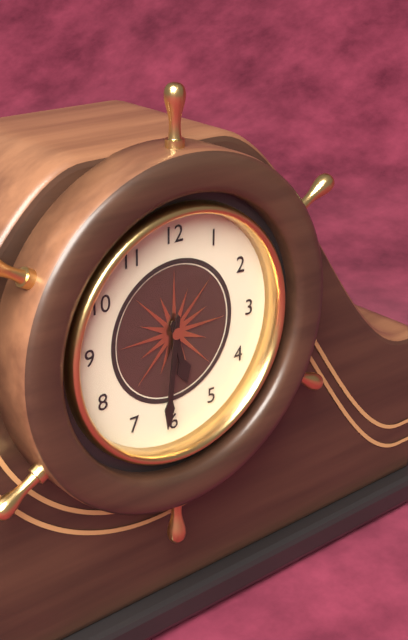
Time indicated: 5:31
